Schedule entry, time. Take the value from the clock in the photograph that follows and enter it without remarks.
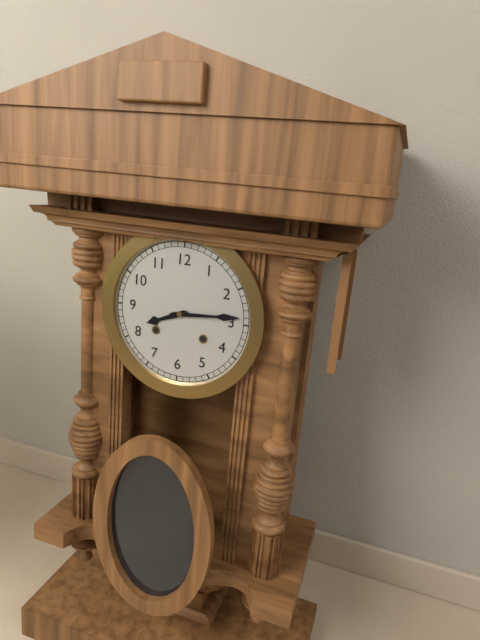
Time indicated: 8:14
